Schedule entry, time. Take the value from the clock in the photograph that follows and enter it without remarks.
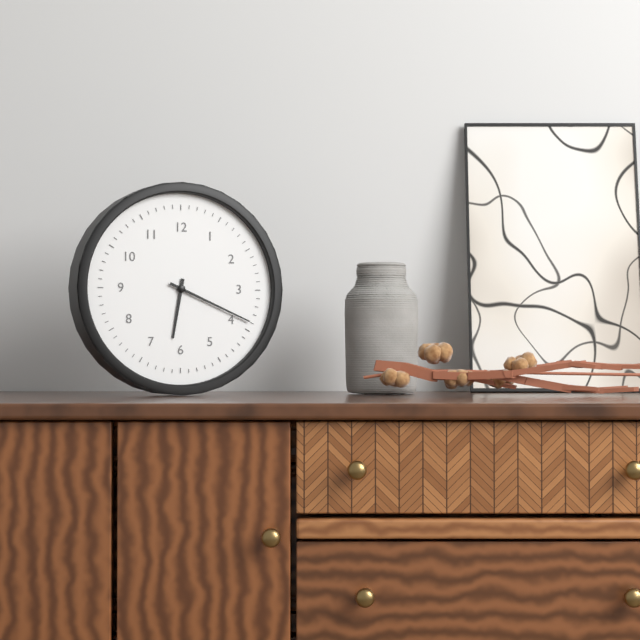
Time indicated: 6:19
